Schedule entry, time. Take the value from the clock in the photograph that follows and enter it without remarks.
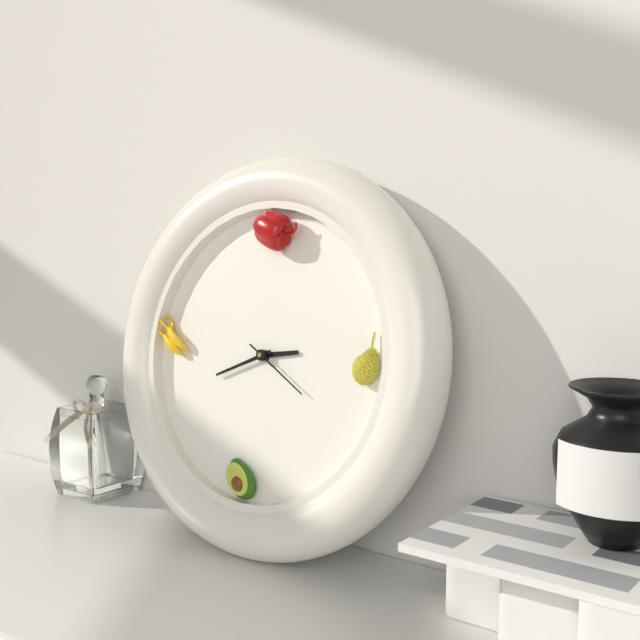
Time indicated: 2:41:20
